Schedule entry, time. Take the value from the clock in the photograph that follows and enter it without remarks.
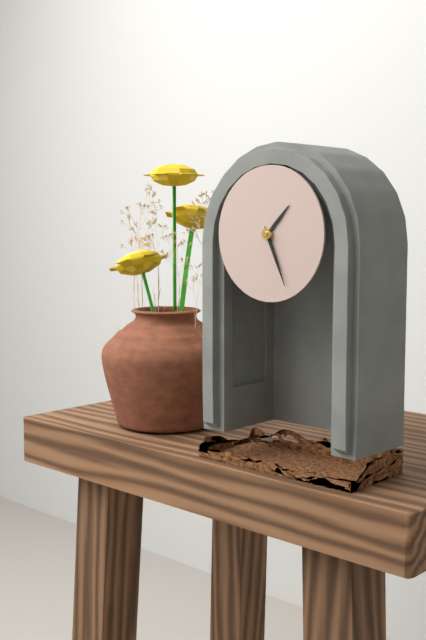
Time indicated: 1:26
